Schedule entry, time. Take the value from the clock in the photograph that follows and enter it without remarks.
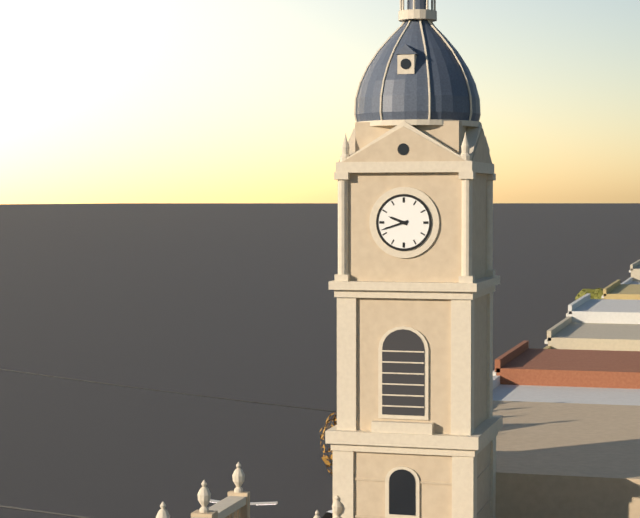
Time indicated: 9:42
